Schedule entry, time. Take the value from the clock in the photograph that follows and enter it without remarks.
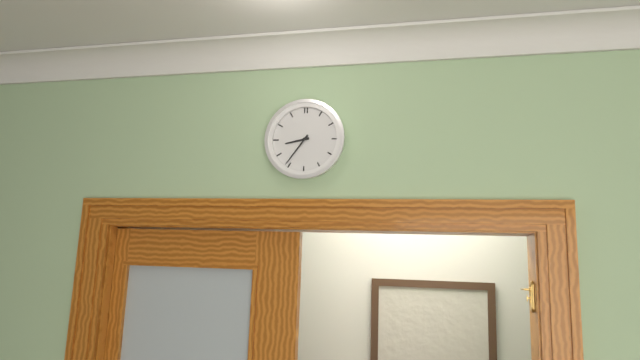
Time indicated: 8:36
